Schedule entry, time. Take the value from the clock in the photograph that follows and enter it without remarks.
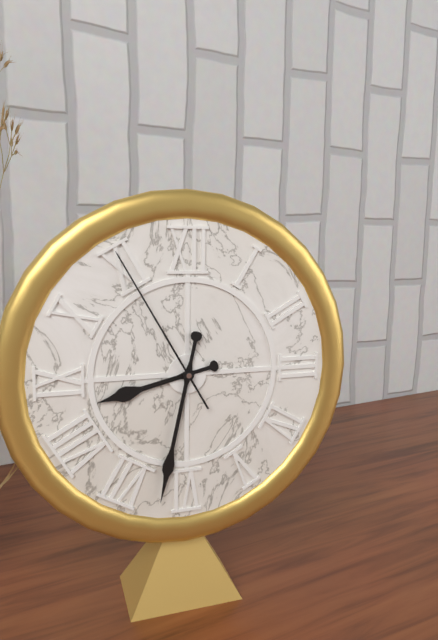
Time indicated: 8:32:55
